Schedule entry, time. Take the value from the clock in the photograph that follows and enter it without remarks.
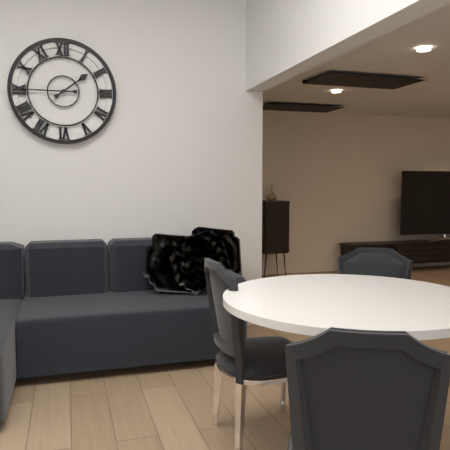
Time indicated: 1:45
